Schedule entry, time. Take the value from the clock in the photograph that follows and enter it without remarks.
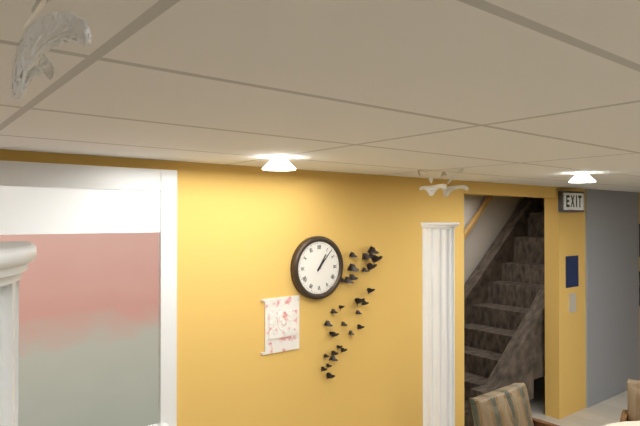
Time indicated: 1:07
